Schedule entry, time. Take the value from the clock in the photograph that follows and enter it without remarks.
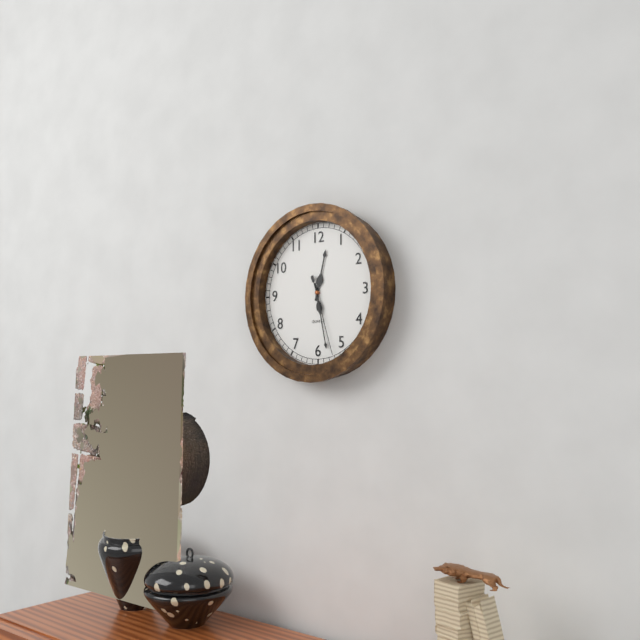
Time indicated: 12:28:27
